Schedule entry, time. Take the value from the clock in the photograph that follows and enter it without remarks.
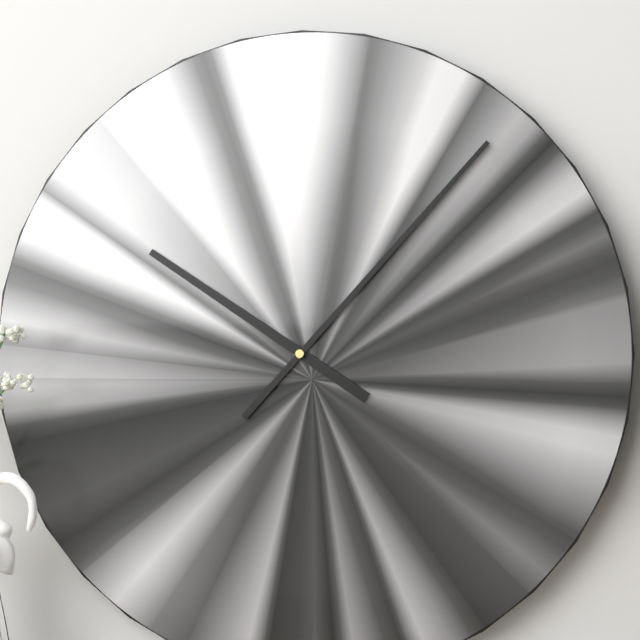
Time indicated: 10:07
